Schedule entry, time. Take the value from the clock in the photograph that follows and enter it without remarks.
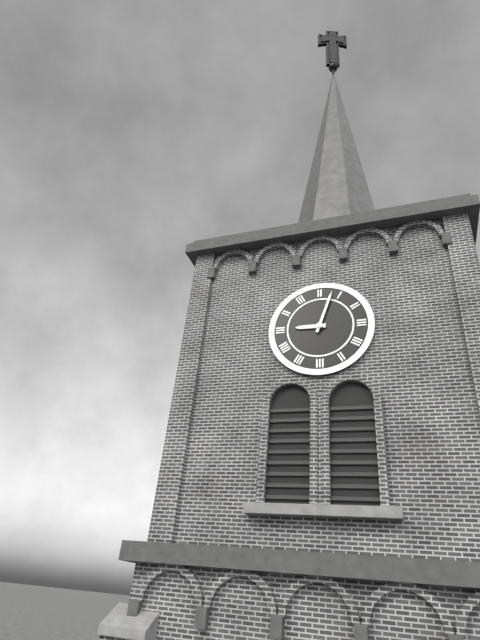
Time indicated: 9:03
